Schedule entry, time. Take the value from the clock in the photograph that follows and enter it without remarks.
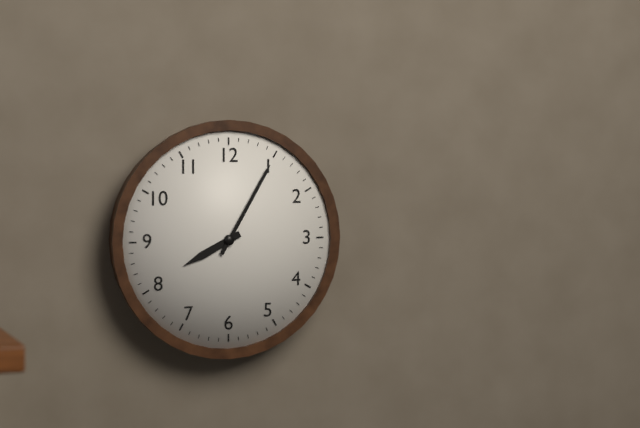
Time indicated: 8:05
